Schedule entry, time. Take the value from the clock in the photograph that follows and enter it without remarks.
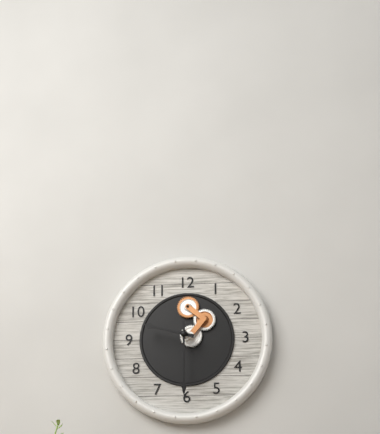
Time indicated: 9:30
